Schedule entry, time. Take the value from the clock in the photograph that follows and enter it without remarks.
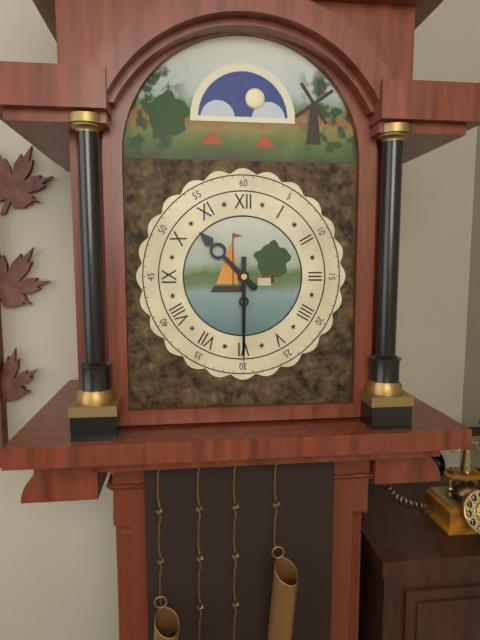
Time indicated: 10:30
